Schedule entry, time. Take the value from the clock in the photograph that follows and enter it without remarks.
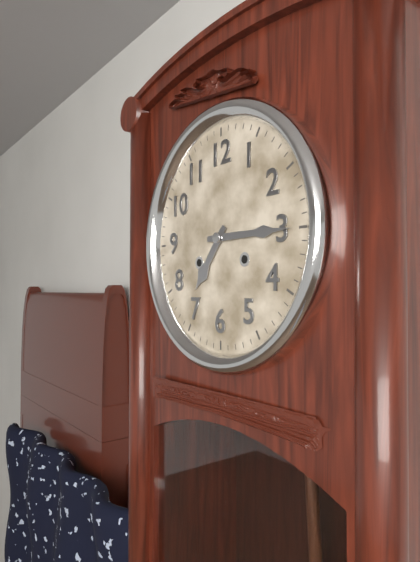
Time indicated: 7:15
